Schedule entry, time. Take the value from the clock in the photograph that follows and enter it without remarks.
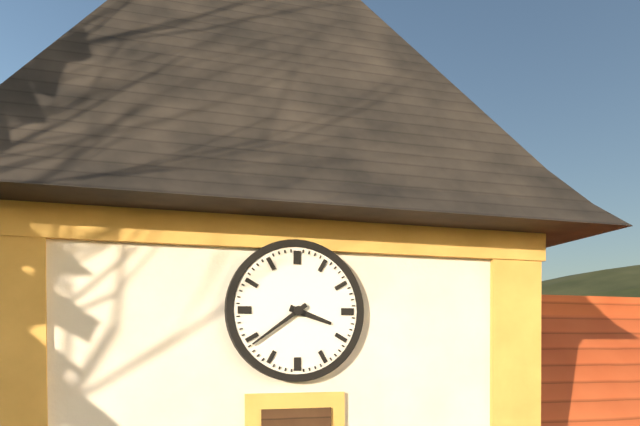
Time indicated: 3:39
